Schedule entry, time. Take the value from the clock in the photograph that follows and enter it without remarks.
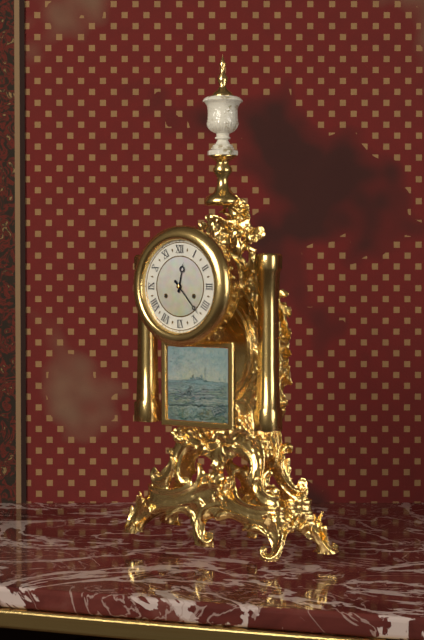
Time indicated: 12:23
